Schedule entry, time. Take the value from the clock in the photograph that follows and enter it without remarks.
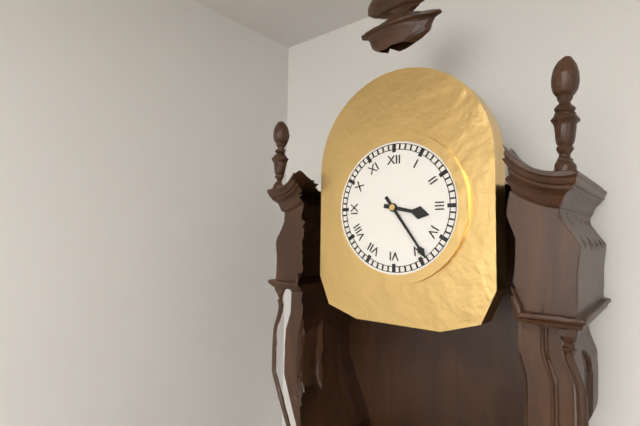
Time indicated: 3:24
